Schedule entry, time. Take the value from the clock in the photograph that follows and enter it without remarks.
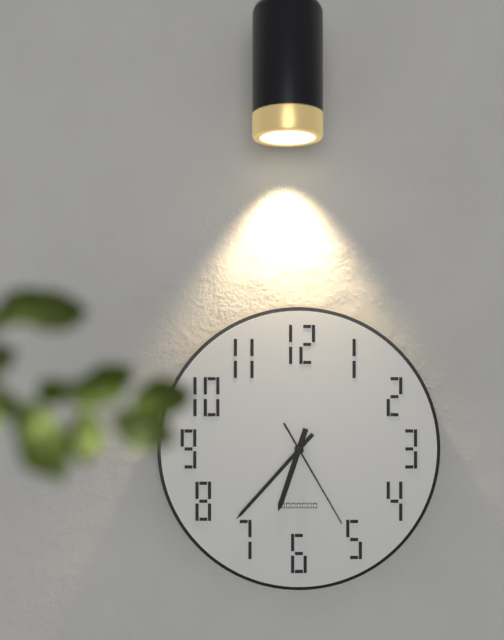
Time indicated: 6:37:25
